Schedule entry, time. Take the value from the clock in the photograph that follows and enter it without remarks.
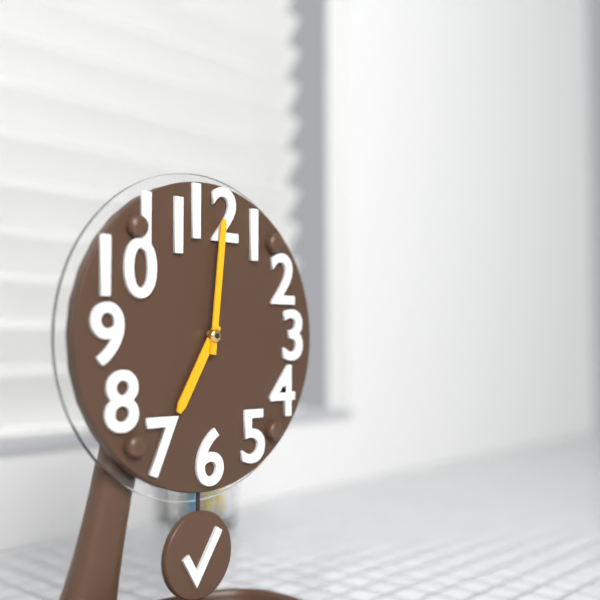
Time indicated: 7:01
